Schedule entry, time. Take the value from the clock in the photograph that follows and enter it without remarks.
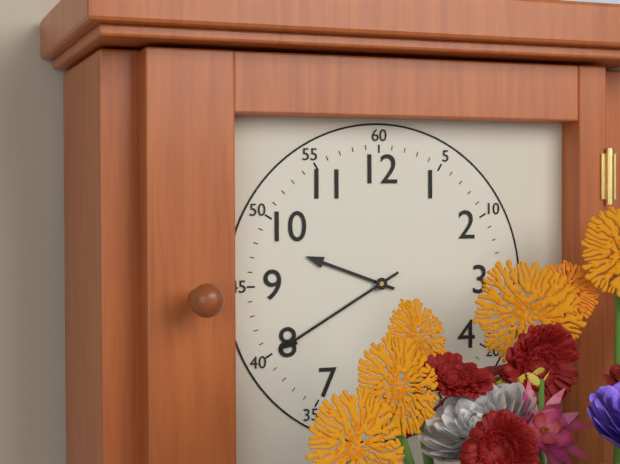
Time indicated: 9:40
